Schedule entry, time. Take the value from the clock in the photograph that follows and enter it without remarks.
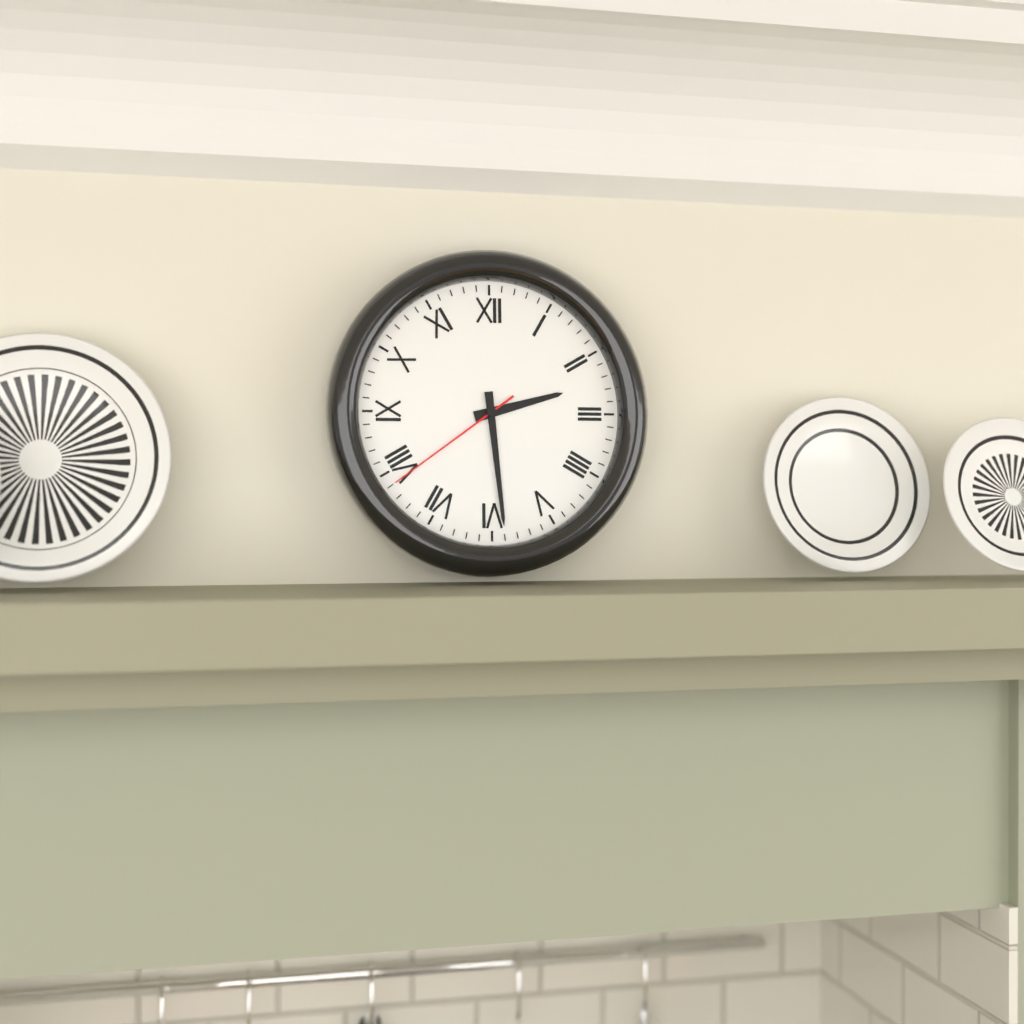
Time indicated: 2:29:39
